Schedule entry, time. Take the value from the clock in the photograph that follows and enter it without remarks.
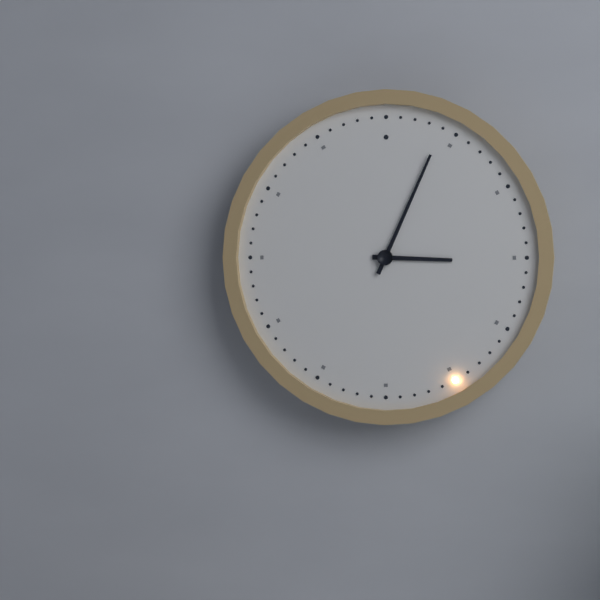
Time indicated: 3:04
